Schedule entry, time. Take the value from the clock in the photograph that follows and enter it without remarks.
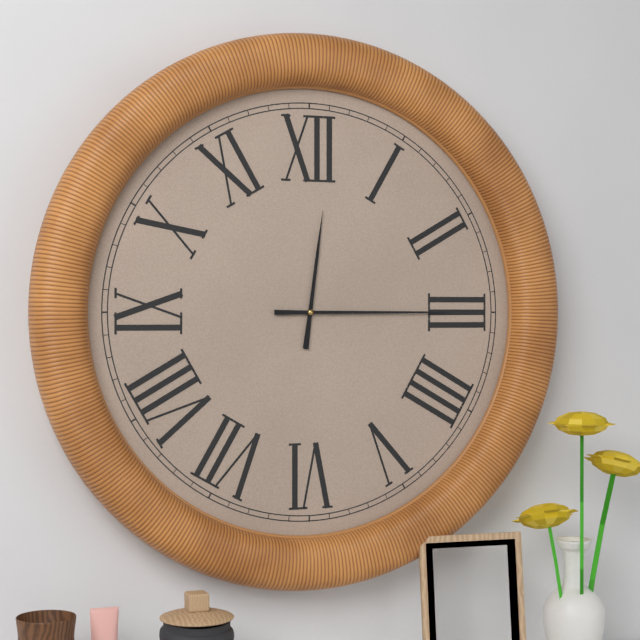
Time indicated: 12:15
